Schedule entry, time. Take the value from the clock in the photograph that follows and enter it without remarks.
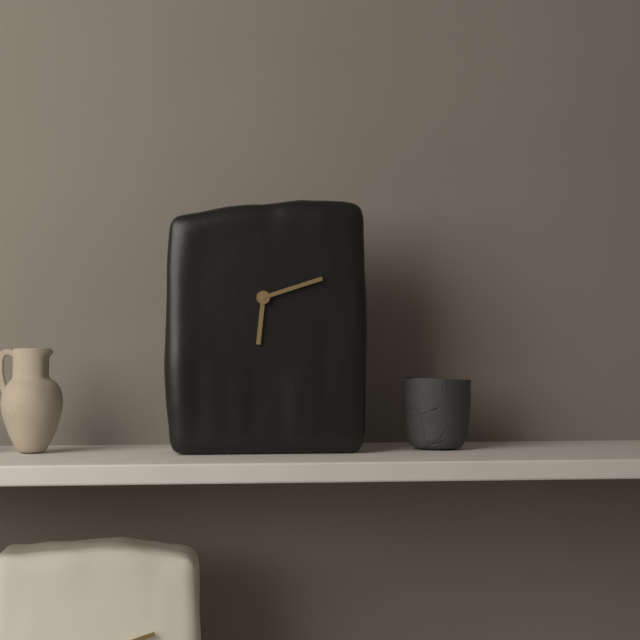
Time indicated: 6:12
